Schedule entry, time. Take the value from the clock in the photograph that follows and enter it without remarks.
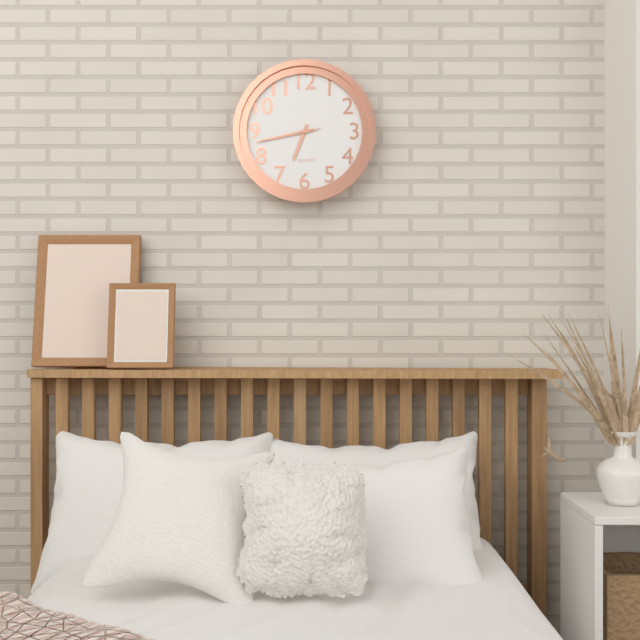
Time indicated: 6:43:43
